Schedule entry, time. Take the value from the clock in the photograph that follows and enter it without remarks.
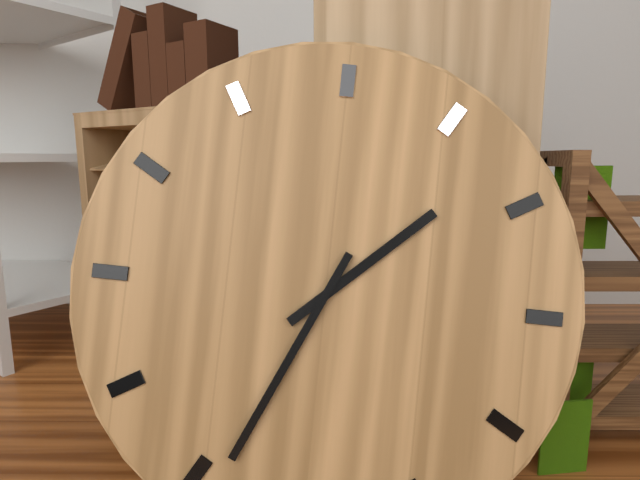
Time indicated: 1:34
